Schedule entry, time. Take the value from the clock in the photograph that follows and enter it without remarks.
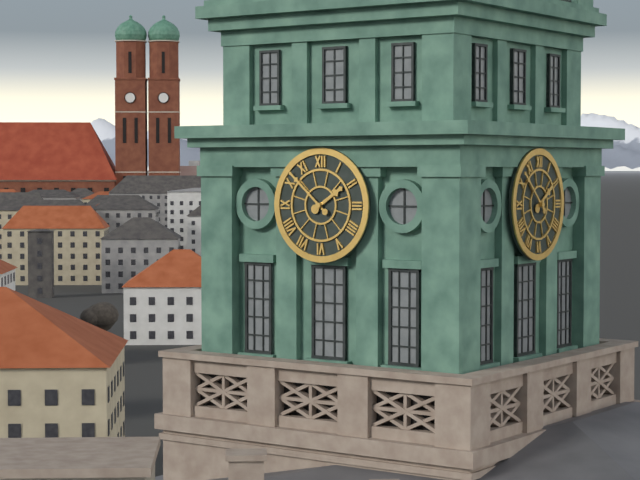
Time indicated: 1:52
